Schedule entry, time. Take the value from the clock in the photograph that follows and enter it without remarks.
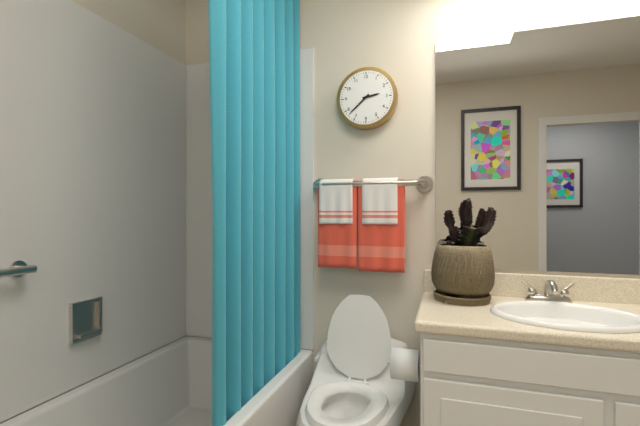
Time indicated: 2:38
